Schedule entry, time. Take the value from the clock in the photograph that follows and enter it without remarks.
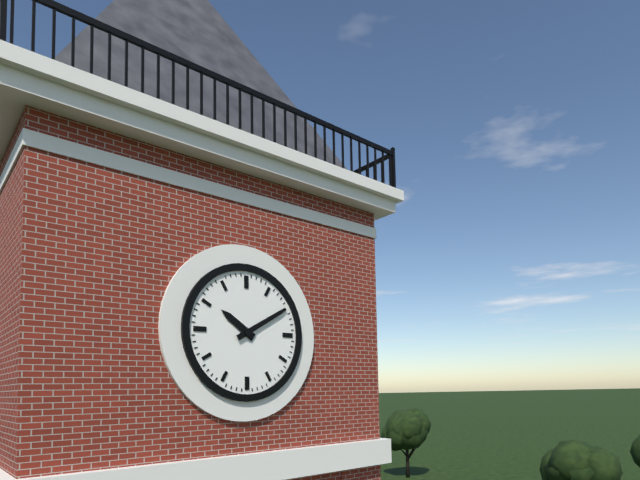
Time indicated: 10:10
